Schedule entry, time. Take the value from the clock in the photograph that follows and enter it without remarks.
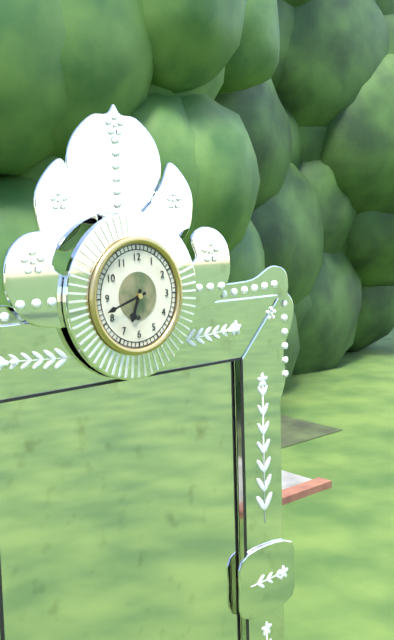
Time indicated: 6:42
